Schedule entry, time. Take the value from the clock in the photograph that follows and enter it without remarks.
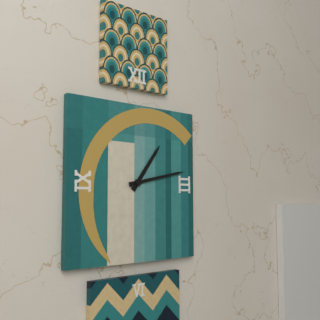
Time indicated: 1:13
